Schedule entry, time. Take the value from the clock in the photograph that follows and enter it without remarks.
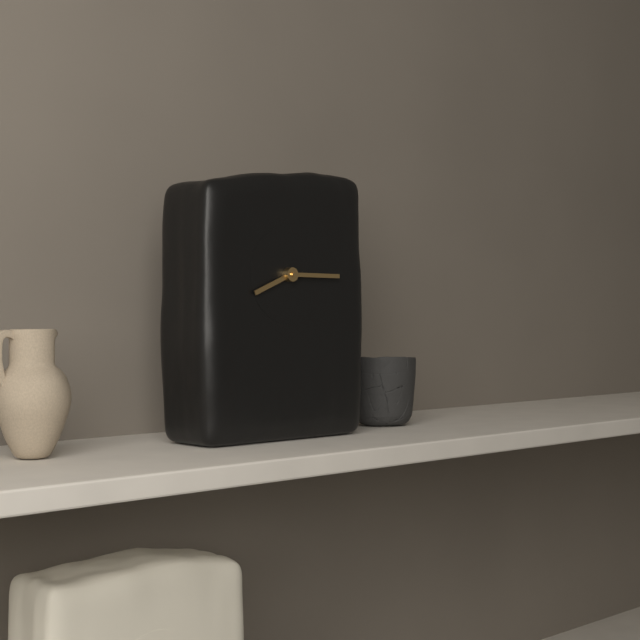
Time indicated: 8:15
